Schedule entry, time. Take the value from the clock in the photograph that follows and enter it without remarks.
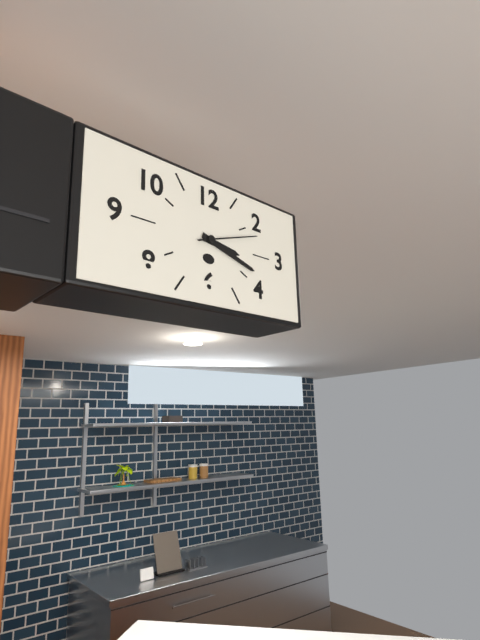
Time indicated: 3:18:12
